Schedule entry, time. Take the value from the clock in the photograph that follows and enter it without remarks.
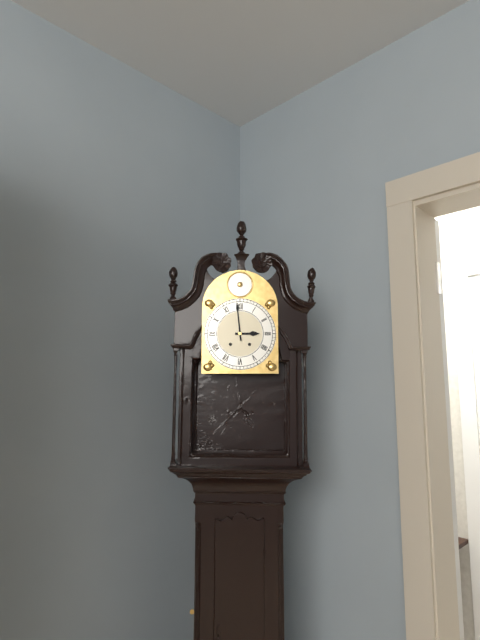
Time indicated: 2:59
